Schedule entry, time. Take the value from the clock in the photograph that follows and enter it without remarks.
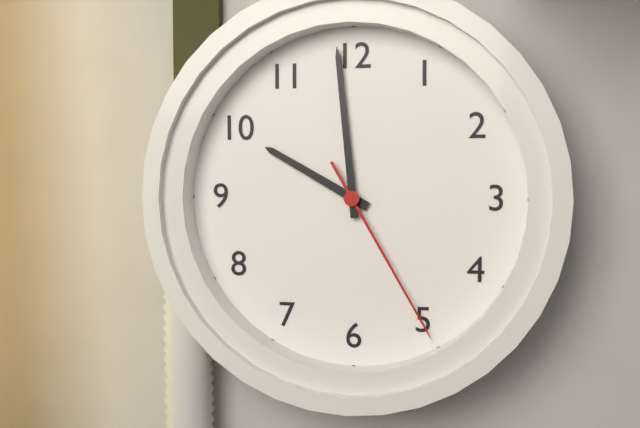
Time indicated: 9:59:25
